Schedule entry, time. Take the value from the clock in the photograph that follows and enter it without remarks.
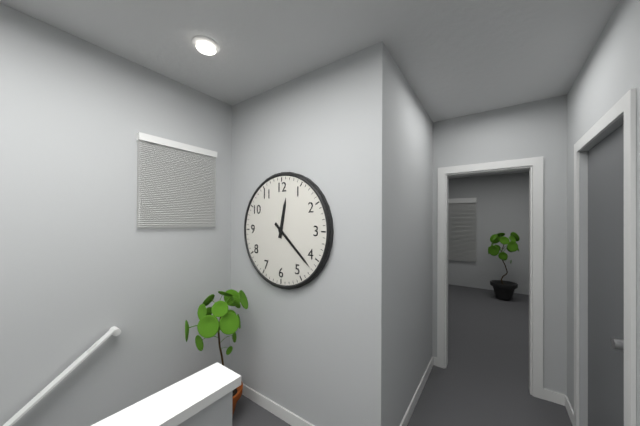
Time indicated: 12:22
